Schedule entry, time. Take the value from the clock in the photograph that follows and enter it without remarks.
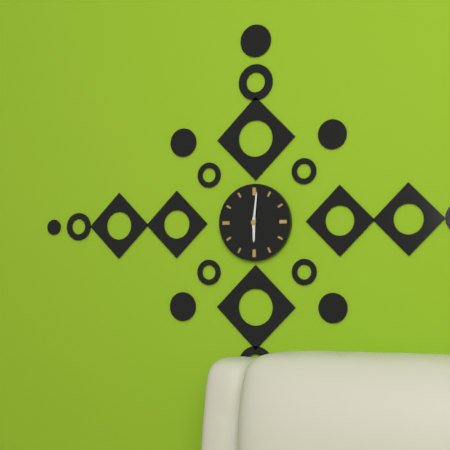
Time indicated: 6:01
